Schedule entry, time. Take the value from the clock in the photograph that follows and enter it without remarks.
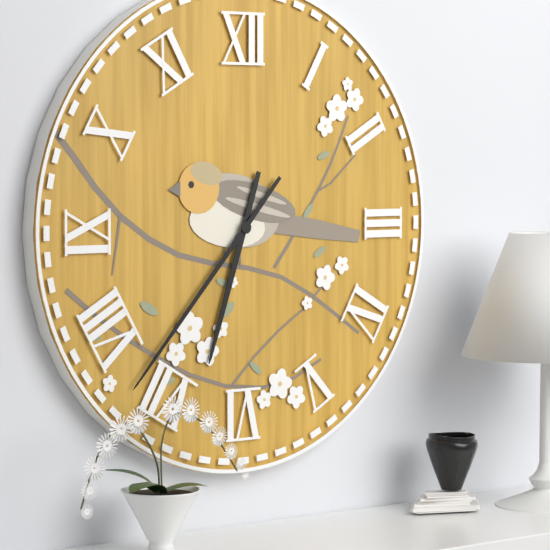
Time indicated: 6:37
